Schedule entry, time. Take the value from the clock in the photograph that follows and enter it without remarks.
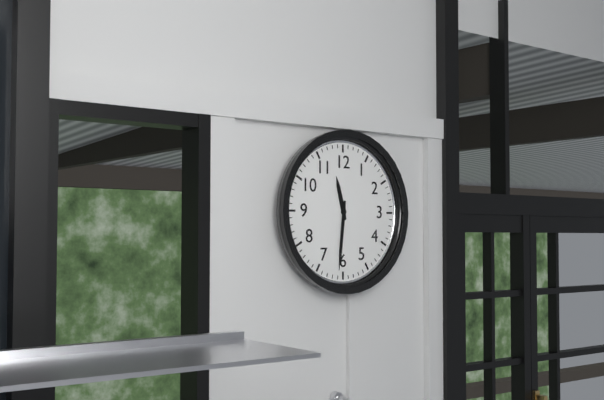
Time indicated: 11:31
